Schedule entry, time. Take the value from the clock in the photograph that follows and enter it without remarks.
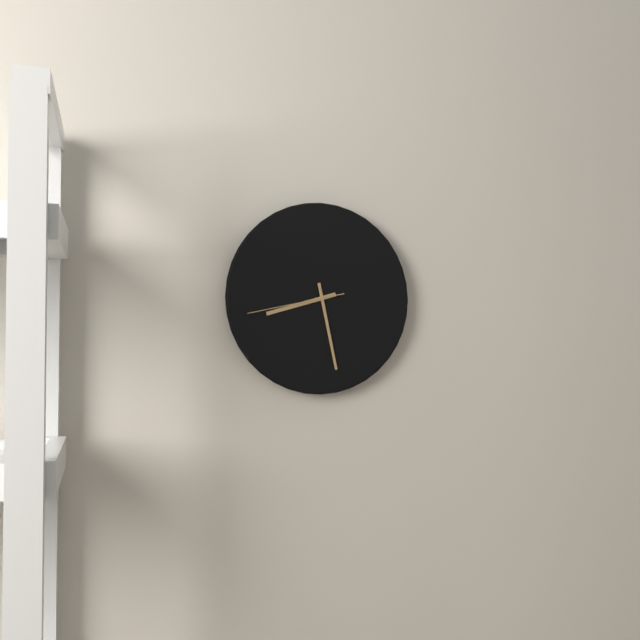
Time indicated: 8:28:43
